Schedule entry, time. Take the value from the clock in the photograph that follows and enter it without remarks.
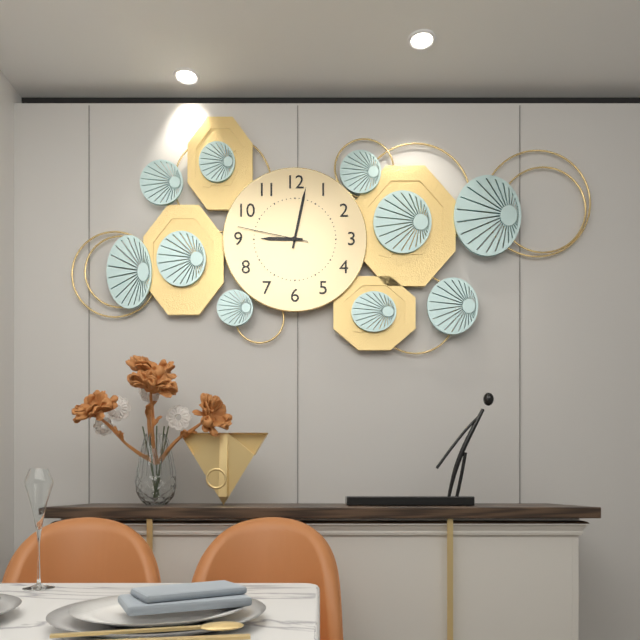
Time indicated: 9:02:47
